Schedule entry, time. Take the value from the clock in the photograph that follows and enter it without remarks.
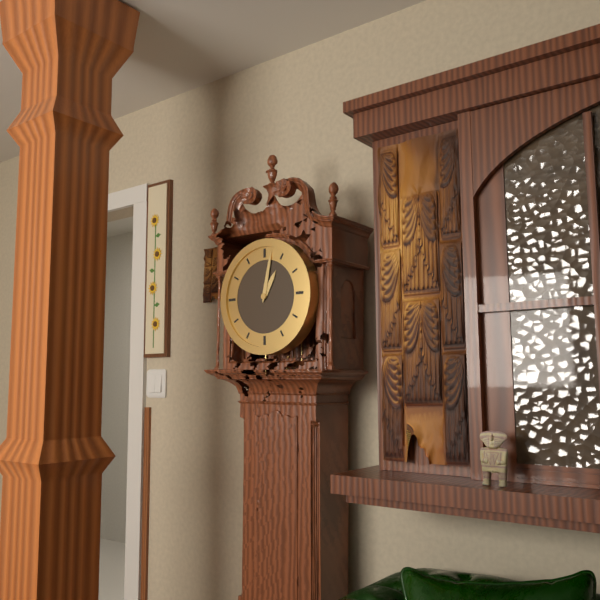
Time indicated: 1:02
